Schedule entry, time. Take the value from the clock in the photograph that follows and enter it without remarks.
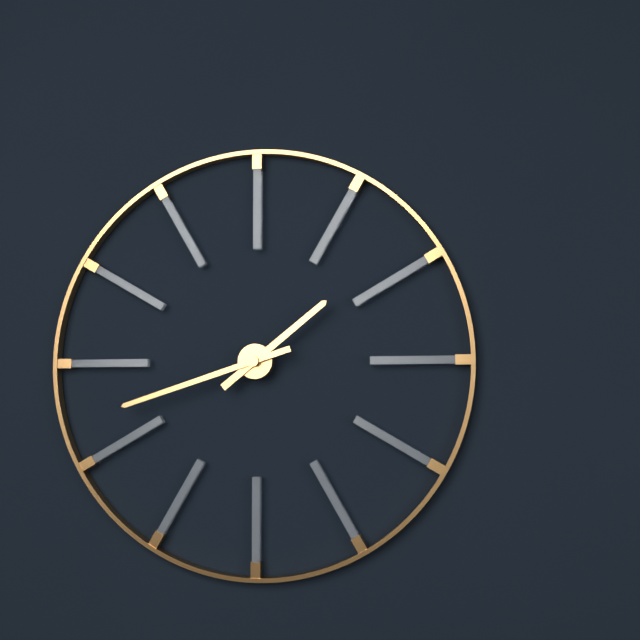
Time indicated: 1:42
